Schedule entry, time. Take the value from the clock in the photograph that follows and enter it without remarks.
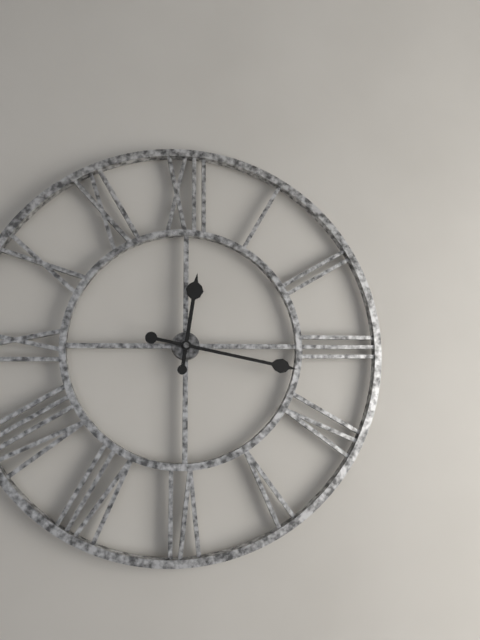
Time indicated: 12:17
